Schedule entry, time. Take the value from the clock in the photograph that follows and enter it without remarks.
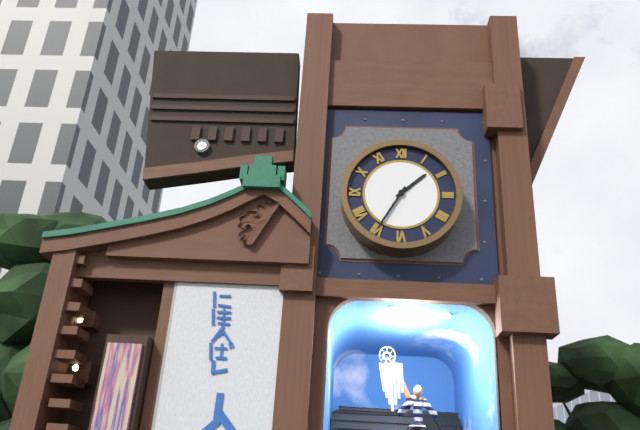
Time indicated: 1:35
